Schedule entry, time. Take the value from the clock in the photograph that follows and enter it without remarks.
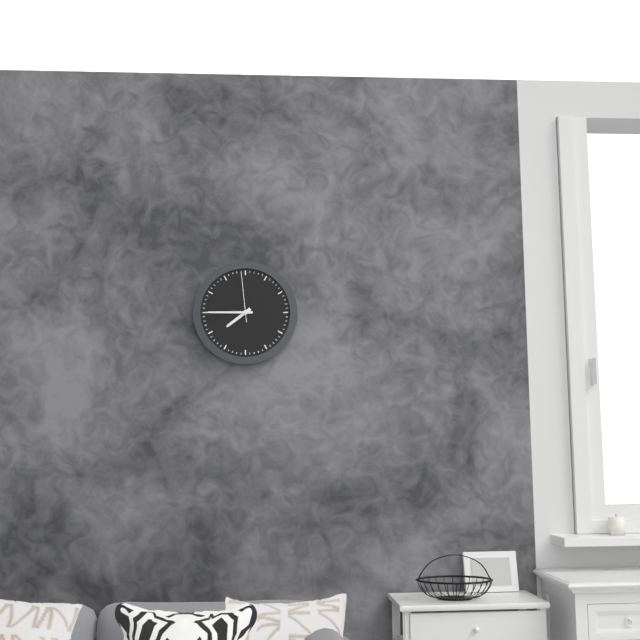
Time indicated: 7:45:59
